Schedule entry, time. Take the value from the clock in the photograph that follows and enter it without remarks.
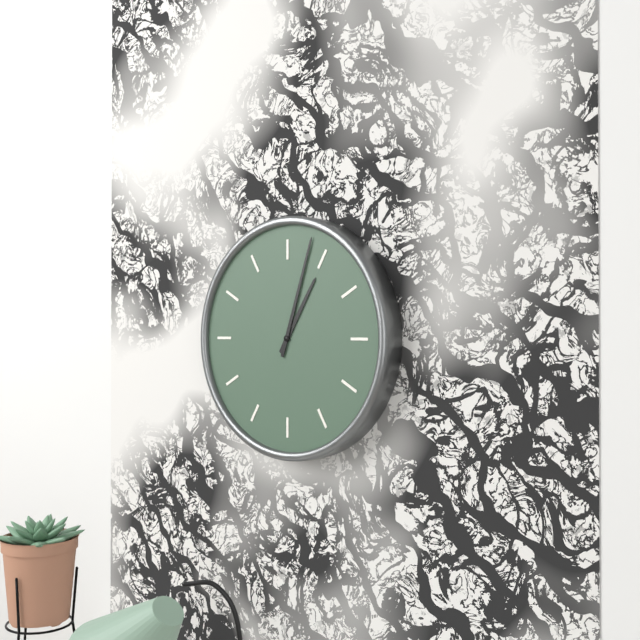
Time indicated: 1:03
